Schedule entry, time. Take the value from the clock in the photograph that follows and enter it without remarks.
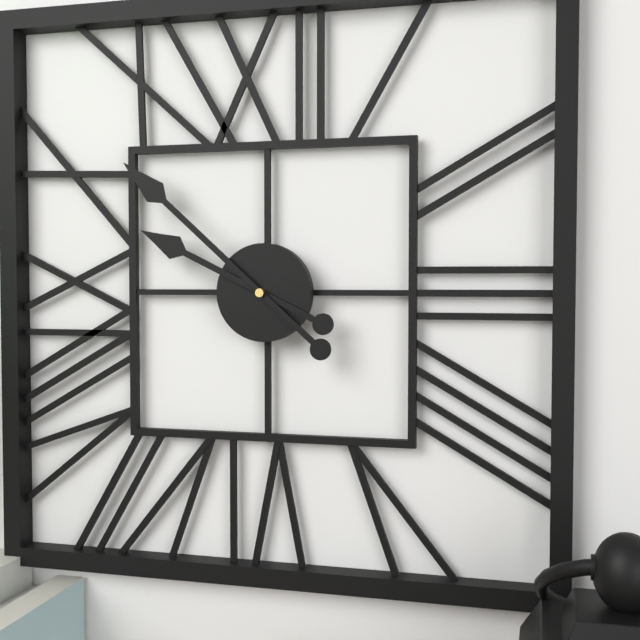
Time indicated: 9:52
